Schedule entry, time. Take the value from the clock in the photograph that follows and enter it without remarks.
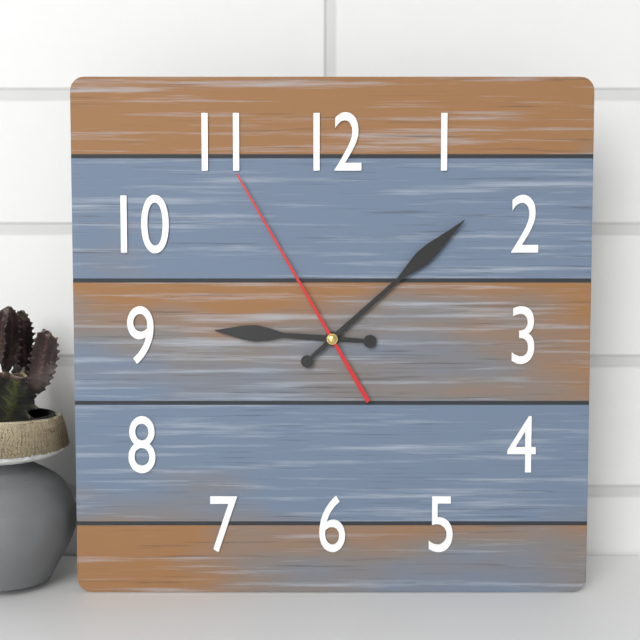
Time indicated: 9:08:55
